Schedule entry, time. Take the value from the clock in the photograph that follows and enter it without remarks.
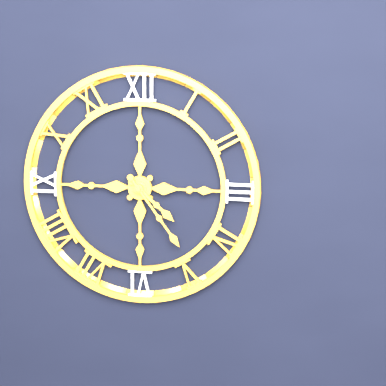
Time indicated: 4:24
